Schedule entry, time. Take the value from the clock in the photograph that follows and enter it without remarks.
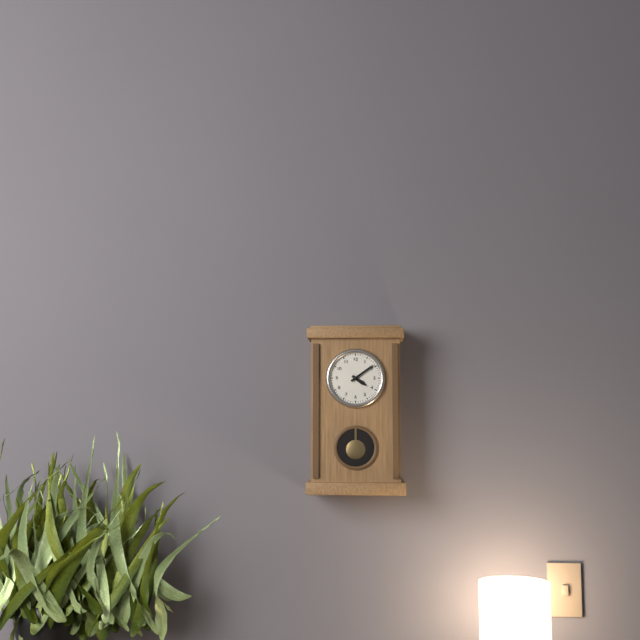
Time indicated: 4:09
